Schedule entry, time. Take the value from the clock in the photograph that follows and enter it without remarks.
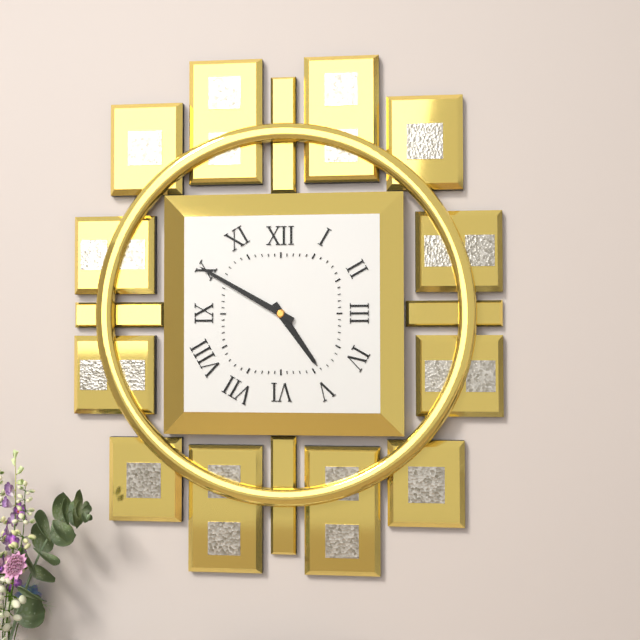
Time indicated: 4:50
